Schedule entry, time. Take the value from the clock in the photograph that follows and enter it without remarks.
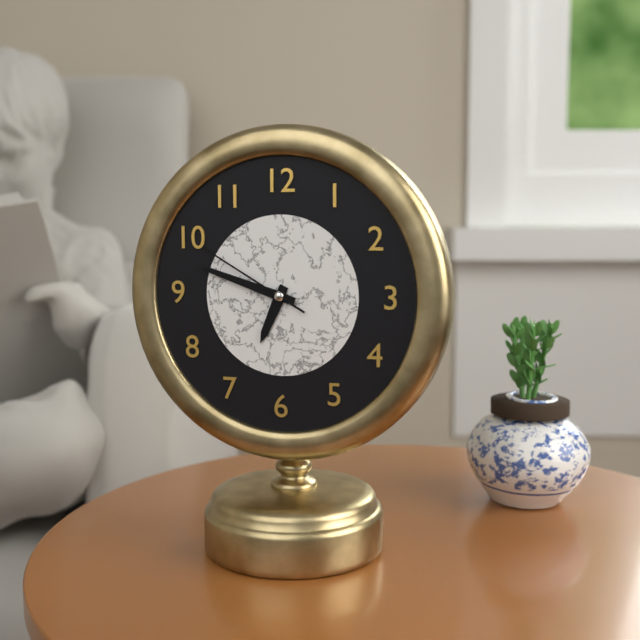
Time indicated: 6:48:50
